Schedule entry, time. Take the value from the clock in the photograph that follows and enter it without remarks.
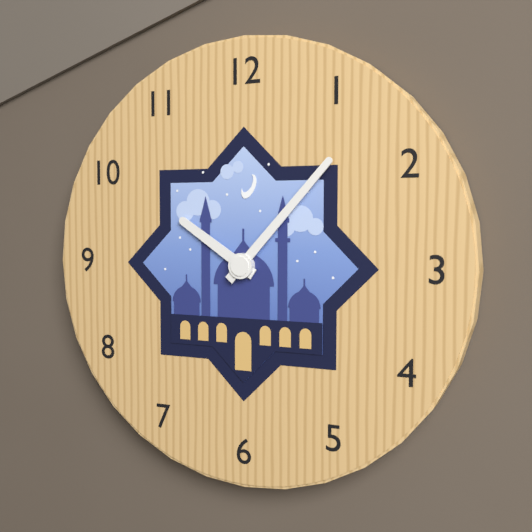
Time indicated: 10:07
